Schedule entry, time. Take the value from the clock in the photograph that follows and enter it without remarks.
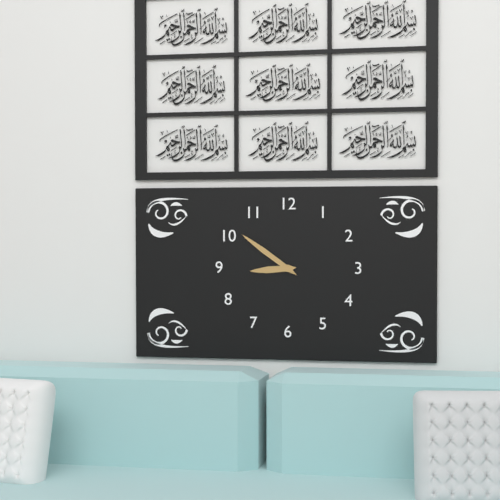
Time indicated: 8:51
